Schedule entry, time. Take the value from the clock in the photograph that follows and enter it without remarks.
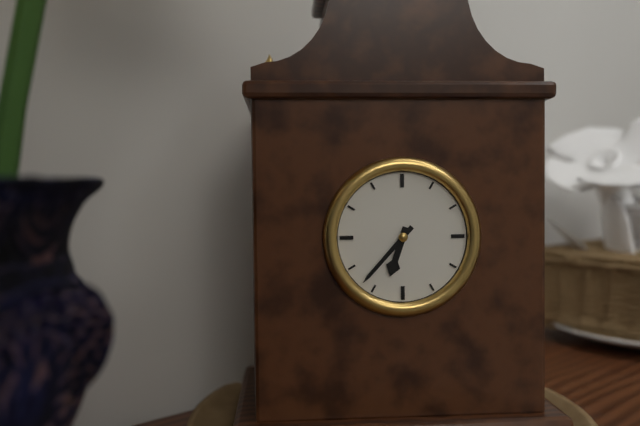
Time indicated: 6:37
